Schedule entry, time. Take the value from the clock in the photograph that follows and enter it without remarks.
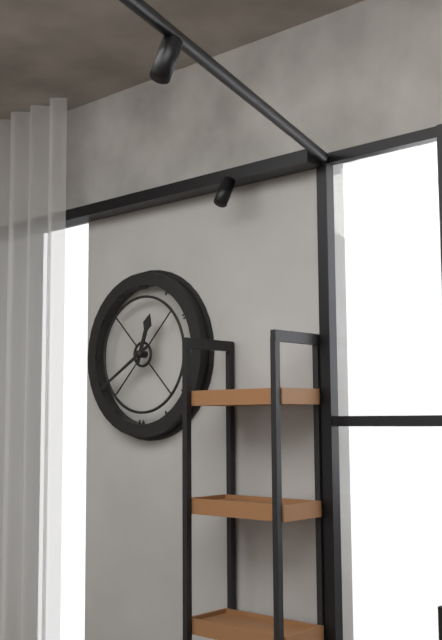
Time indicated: 12:40
